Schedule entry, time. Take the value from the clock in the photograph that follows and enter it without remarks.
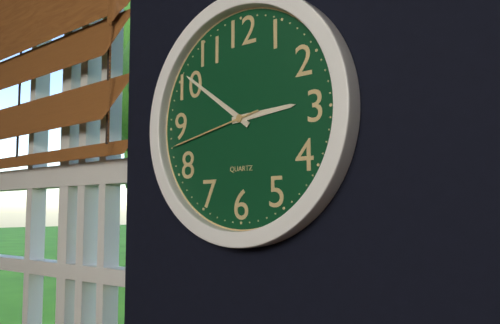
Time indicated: 2:51:43
